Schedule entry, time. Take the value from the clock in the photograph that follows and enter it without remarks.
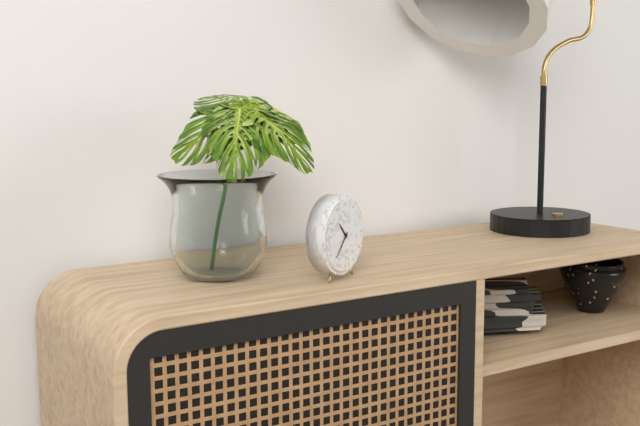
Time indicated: 10:37
